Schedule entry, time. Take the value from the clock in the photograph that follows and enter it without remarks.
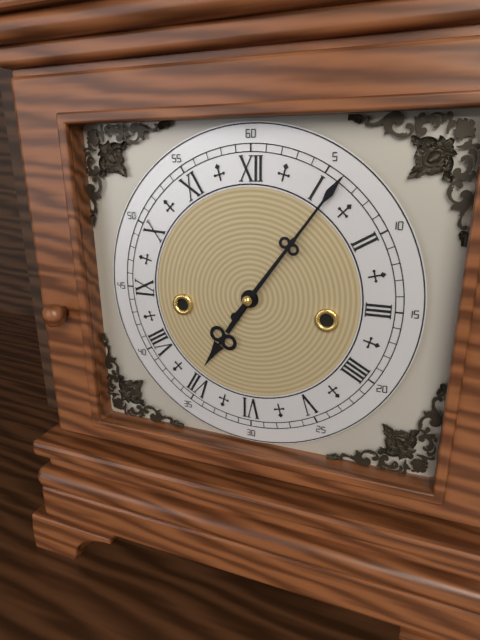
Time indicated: 7:06
